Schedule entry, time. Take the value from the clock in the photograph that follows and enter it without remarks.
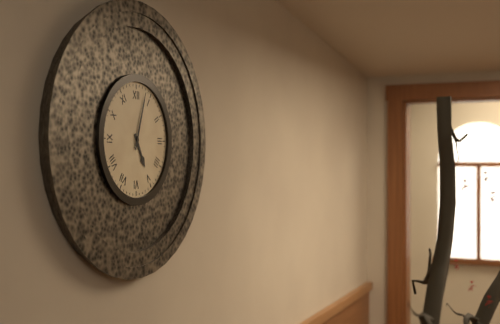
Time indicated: 5:03
